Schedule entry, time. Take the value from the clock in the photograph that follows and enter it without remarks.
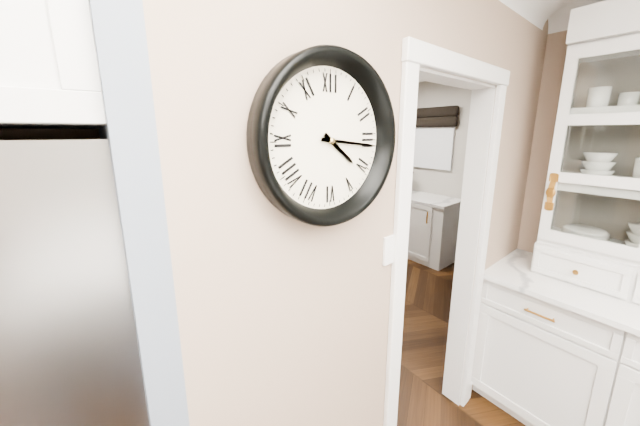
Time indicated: 4:16
